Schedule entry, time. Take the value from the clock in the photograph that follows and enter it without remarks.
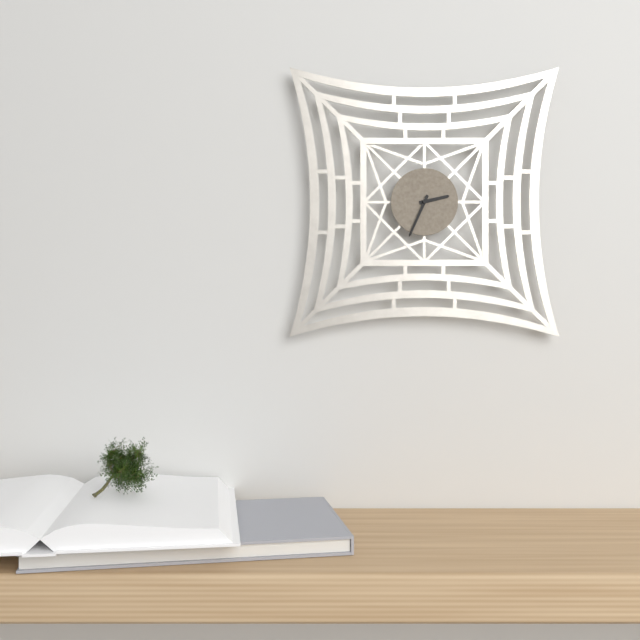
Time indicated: 2:34
